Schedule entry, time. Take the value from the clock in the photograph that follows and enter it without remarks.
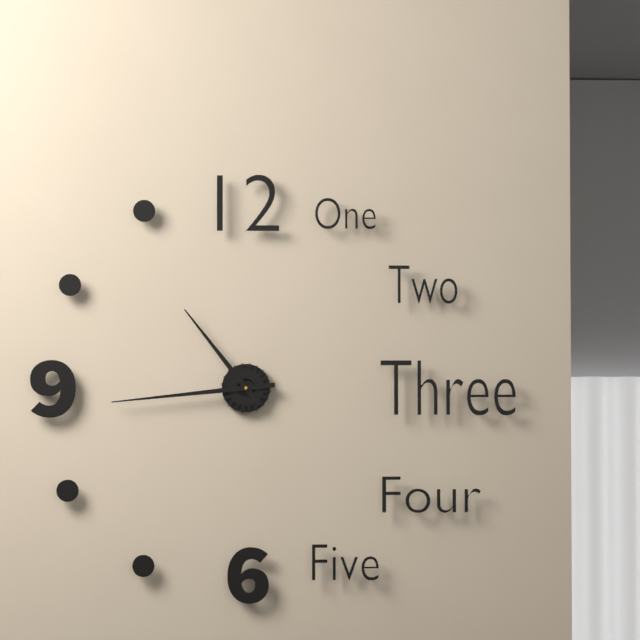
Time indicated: 10:44
